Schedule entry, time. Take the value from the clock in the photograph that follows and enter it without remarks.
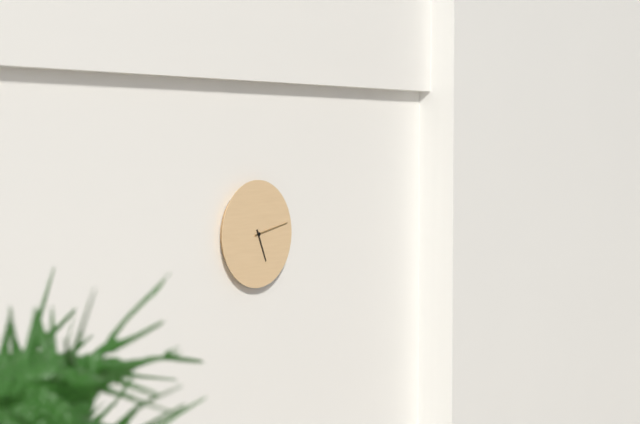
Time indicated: 5:13
